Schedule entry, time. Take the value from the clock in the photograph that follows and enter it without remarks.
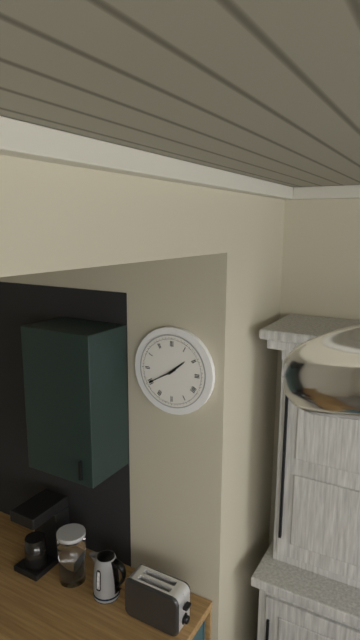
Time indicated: 1:40
